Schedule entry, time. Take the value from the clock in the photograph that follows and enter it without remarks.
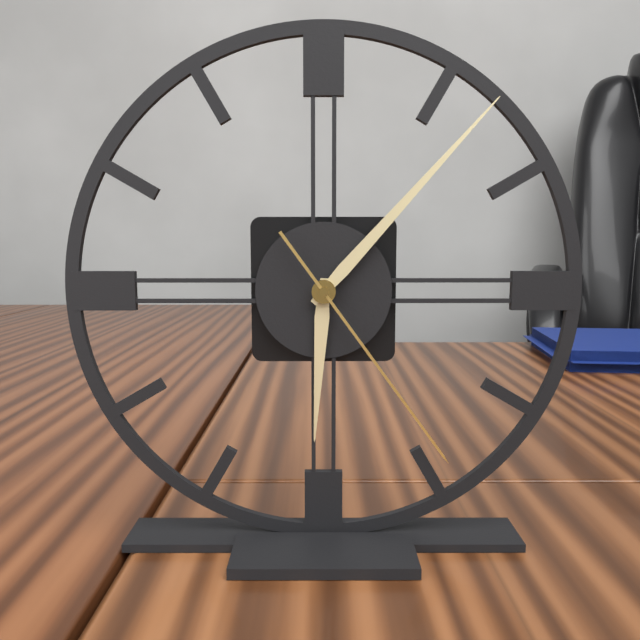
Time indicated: 6:07:24
